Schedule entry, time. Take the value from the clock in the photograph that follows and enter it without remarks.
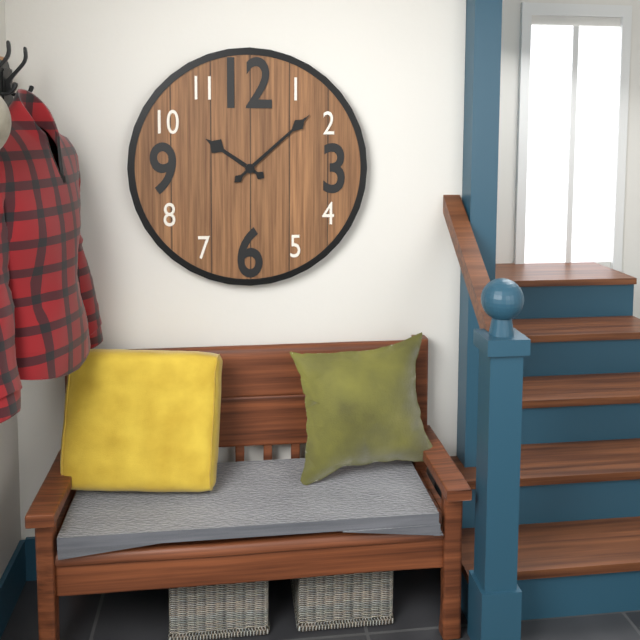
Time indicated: 10:08
